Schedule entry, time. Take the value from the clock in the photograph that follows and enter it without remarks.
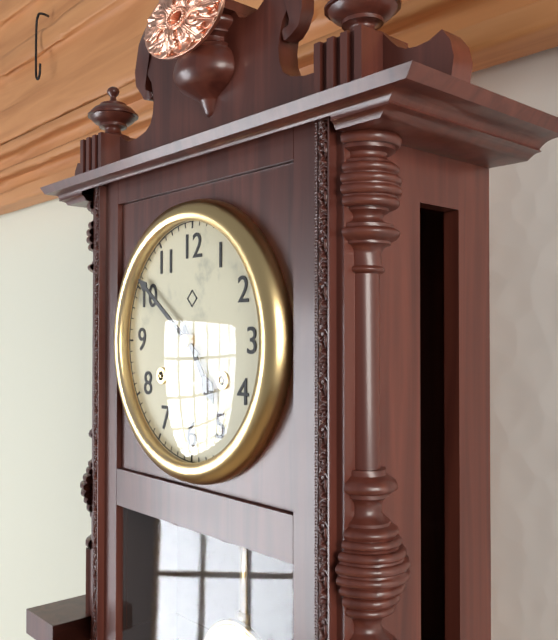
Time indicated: 4:51
